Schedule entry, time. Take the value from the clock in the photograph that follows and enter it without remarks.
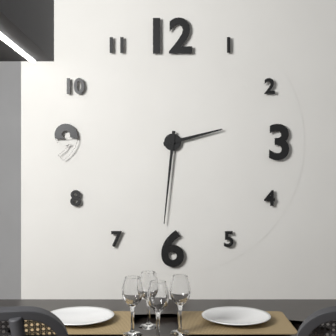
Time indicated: 2:31
